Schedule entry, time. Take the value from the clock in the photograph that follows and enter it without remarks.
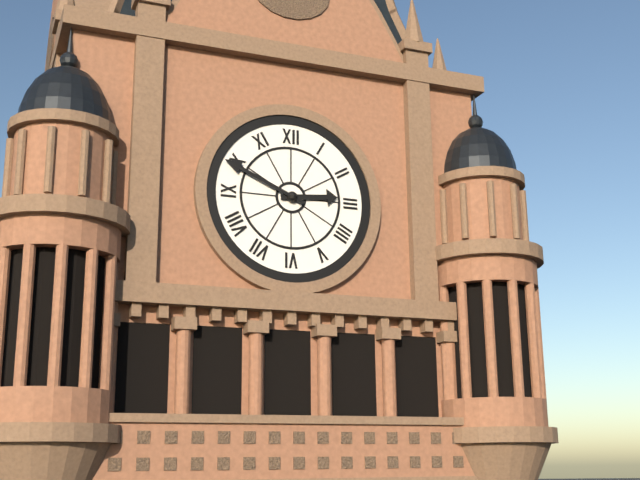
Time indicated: 2:49
